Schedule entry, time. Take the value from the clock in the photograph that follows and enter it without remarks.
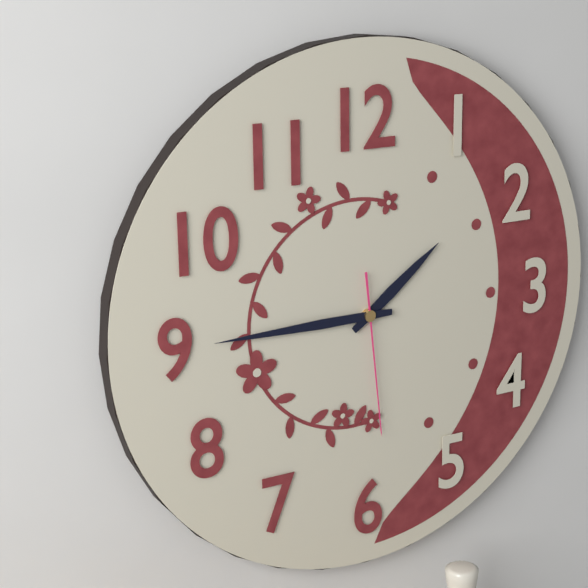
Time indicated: 1:45:29
